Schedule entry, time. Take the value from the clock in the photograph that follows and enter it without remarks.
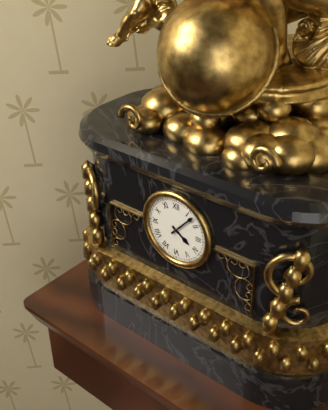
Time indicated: 4:07
